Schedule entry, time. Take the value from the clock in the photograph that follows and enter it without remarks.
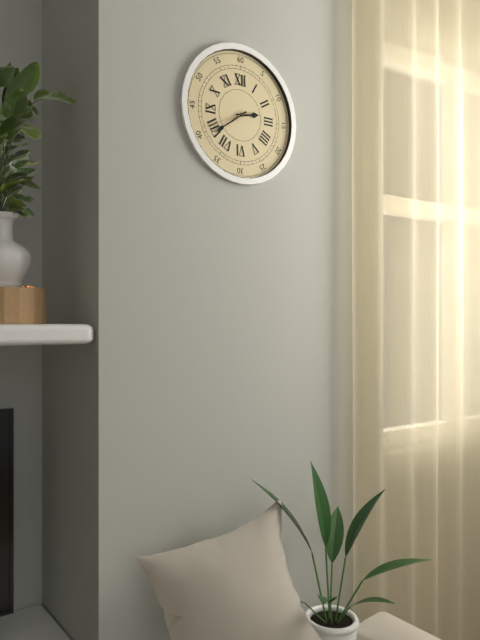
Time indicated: 2:39
